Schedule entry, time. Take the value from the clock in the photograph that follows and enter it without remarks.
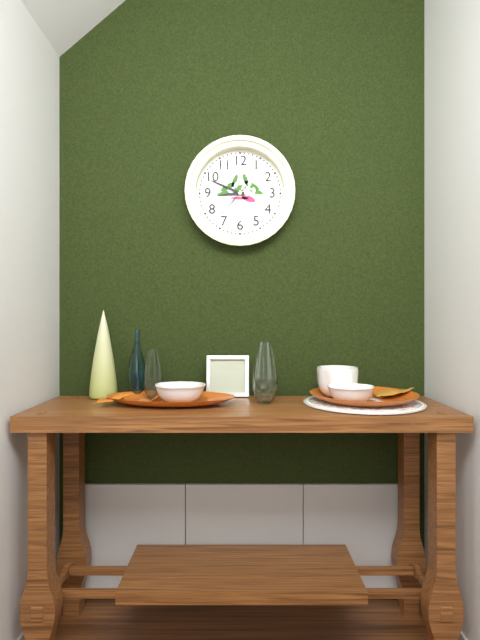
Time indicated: 8:49
